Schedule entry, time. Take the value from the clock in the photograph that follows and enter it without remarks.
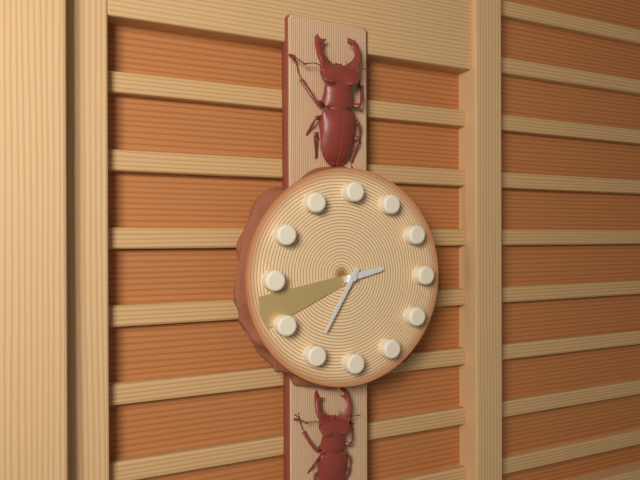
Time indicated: 2:35:42
